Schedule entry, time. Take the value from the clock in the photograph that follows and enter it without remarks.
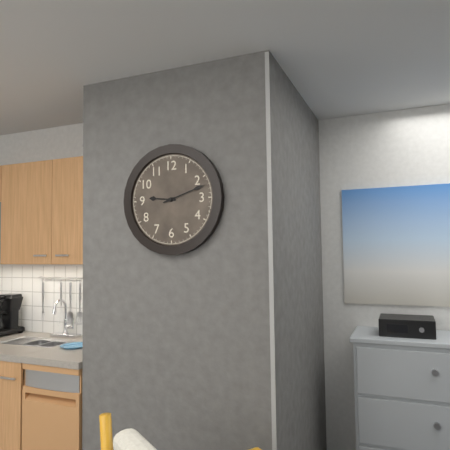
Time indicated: 9:12
